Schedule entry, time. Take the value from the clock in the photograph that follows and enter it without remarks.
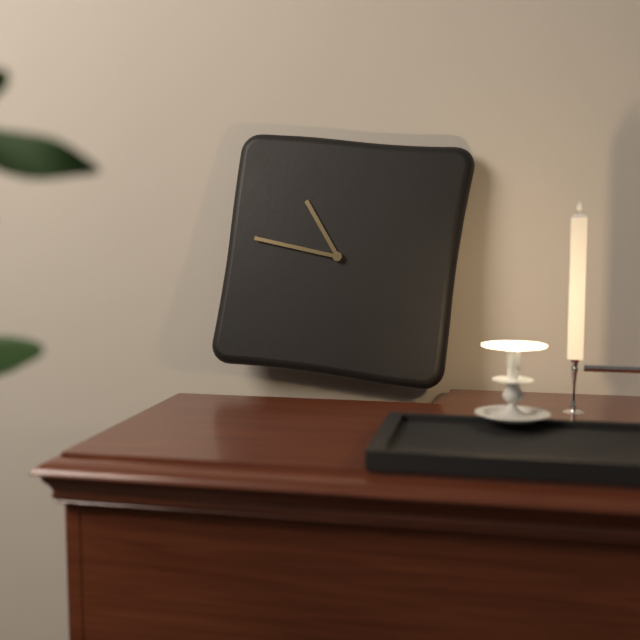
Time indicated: 10:46
